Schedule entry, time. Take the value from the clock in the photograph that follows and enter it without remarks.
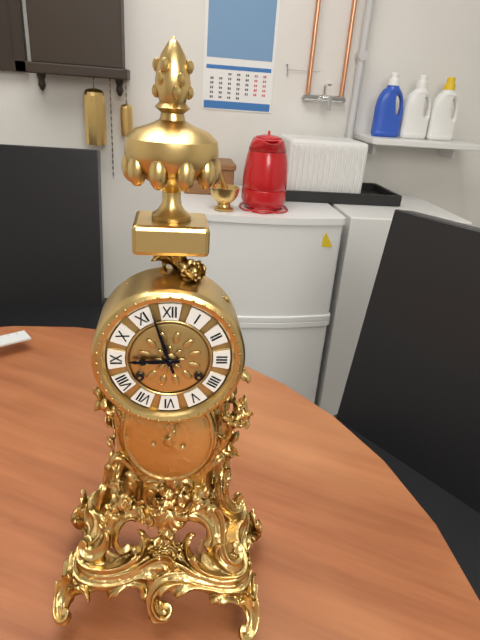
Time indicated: 8:57
